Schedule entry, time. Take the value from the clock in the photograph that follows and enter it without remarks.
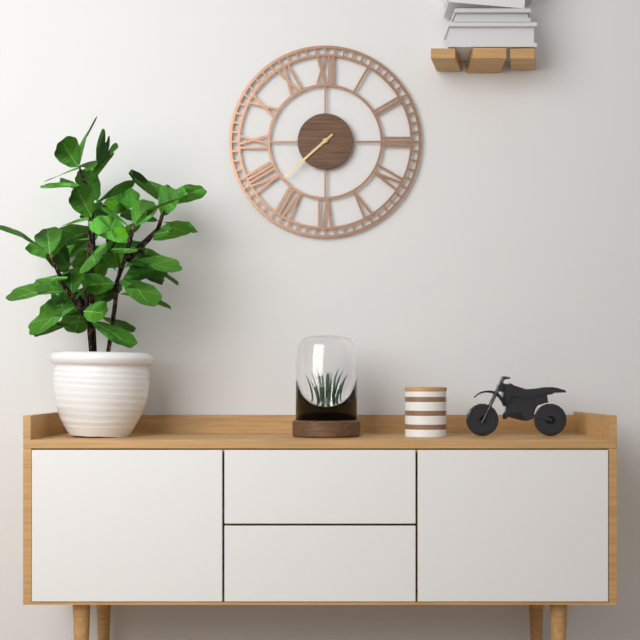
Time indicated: 7:38
